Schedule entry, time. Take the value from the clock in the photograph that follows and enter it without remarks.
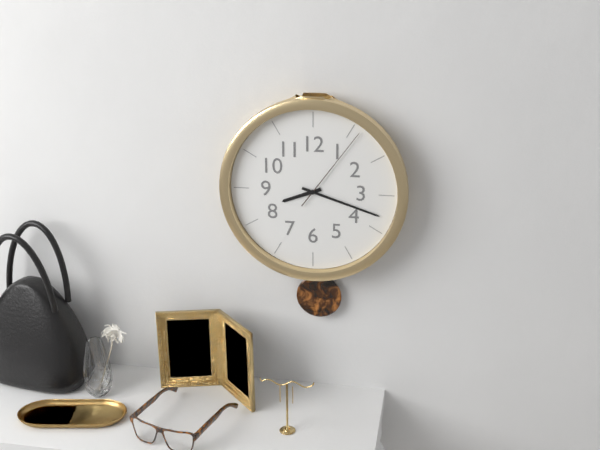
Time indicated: 8:18:06
